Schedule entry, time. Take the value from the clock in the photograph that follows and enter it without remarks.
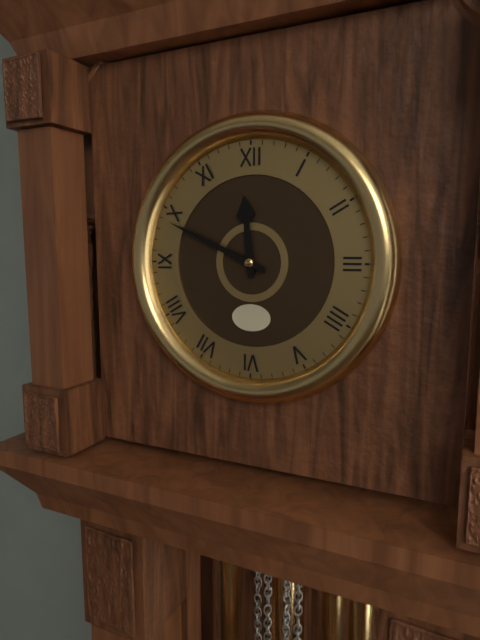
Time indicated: 11:49
